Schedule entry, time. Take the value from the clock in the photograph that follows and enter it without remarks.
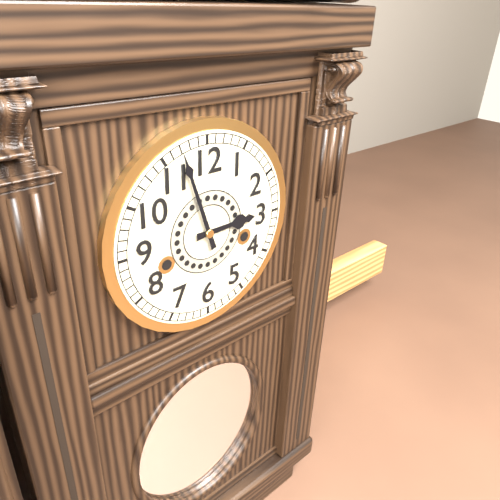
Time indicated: 2:57
